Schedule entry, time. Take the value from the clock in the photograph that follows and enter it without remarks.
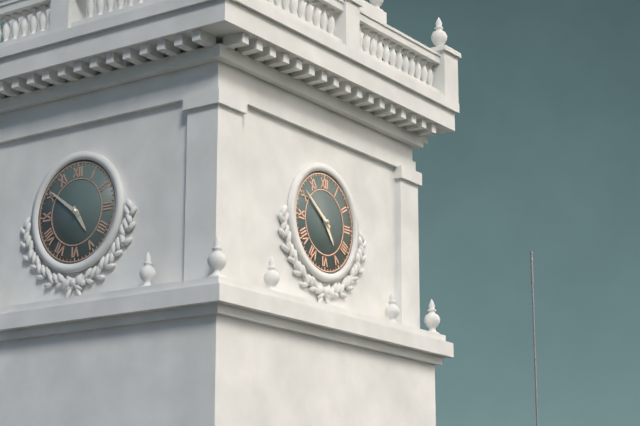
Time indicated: 4:51
